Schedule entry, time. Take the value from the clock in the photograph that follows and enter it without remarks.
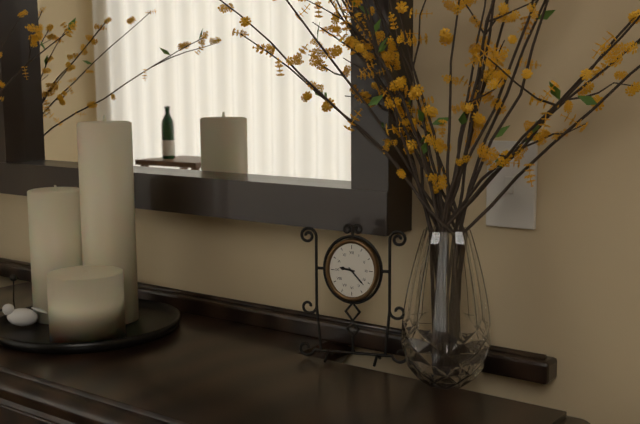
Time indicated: 9:23
